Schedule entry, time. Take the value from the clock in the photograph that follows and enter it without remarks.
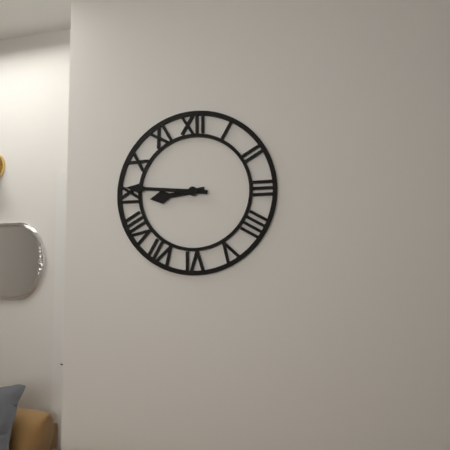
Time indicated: 8:46
